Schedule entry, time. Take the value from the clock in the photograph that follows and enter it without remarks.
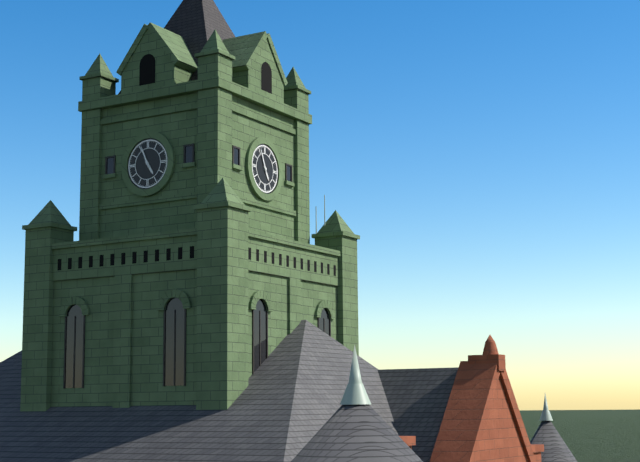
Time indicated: 4:56
